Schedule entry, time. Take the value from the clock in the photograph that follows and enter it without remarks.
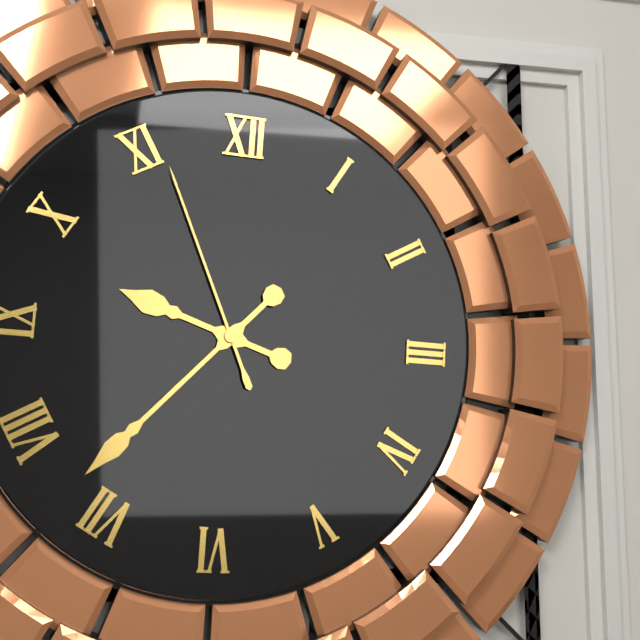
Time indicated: 9:37:56
